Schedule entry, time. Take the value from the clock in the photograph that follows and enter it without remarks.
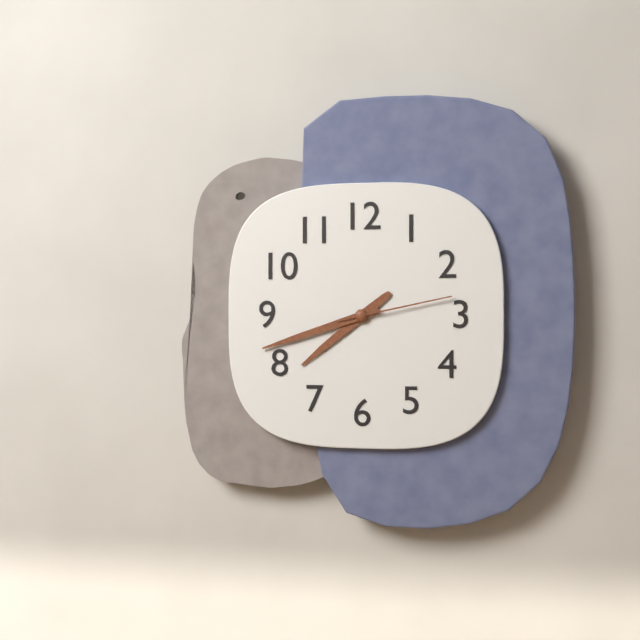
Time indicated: 7:42:13
